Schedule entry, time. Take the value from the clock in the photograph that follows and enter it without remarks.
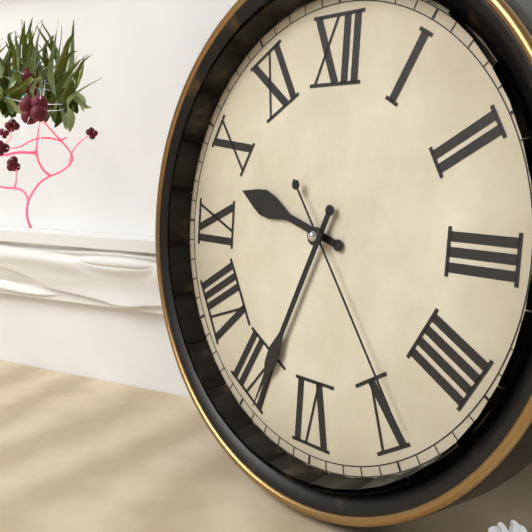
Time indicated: 9:34:24
